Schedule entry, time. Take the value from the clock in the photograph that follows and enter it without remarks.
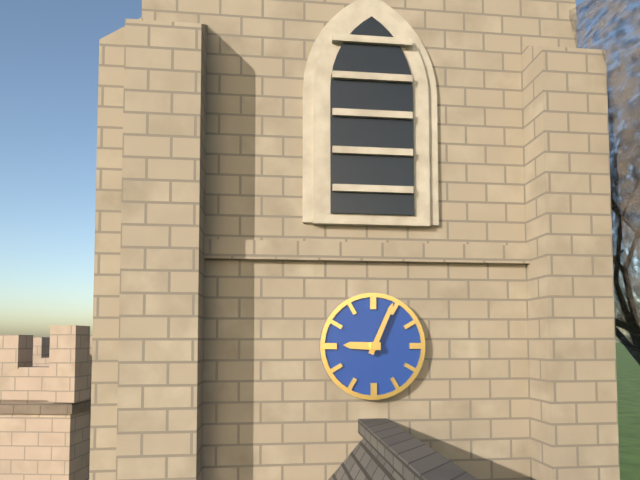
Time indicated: 9:04
